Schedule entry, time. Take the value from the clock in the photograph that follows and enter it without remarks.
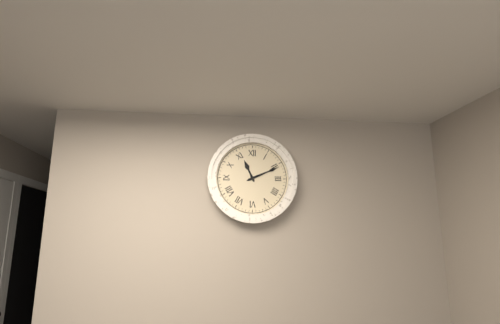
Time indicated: 11:11
